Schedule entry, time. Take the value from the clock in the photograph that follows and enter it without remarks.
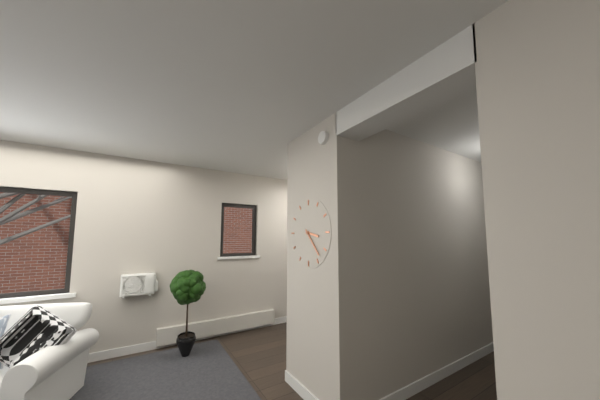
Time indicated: 3:23
